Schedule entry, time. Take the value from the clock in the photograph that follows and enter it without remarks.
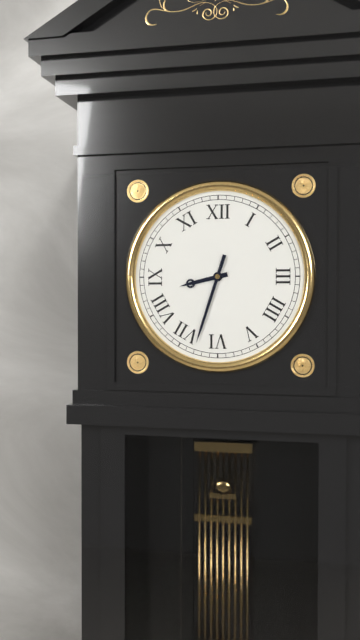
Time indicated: 8:33
